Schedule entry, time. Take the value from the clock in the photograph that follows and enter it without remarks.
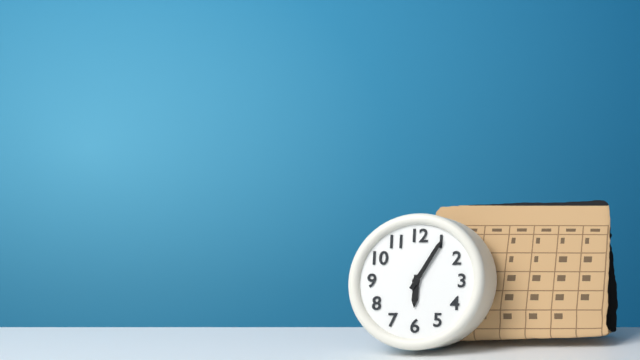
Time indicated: 6:05
